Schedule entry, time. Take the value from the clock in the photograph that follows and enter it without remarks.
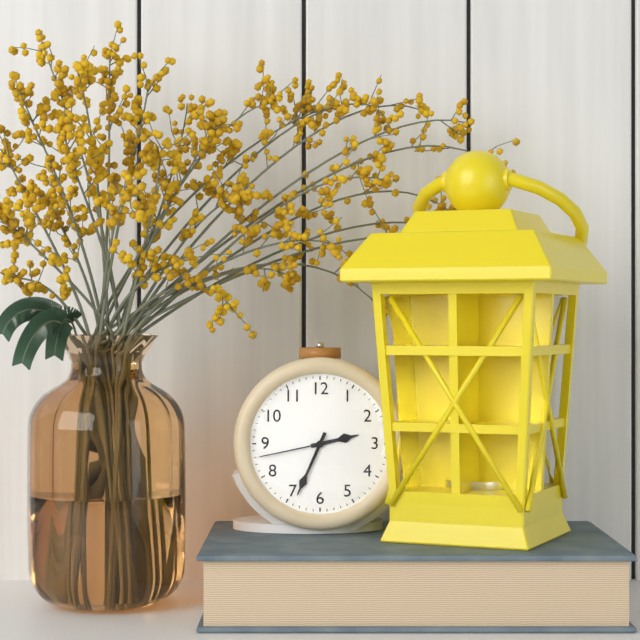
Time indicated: 2:34:43
